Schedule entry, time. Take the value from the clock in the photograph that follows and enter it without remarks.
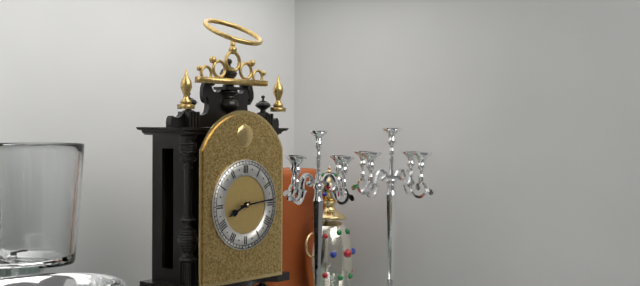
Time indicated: 8:14
